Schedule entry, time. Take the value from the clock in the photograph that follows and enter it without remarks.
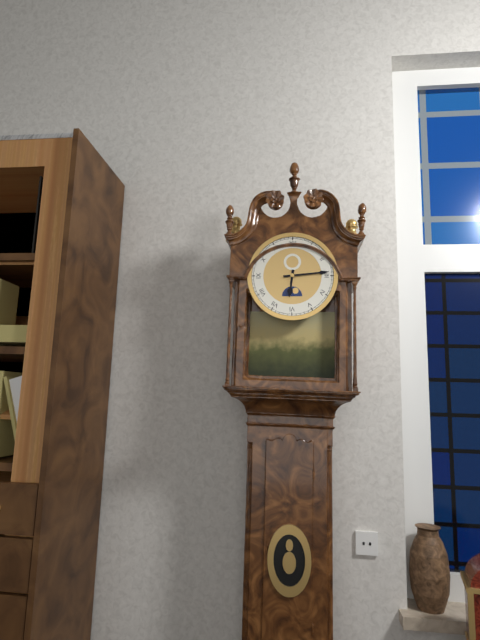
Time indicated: 6:14
